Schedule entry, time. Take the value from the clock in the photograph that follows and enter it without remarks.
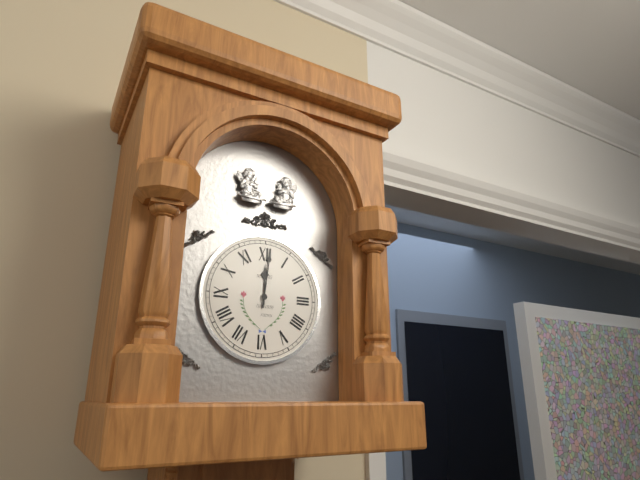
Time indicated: 12:01
